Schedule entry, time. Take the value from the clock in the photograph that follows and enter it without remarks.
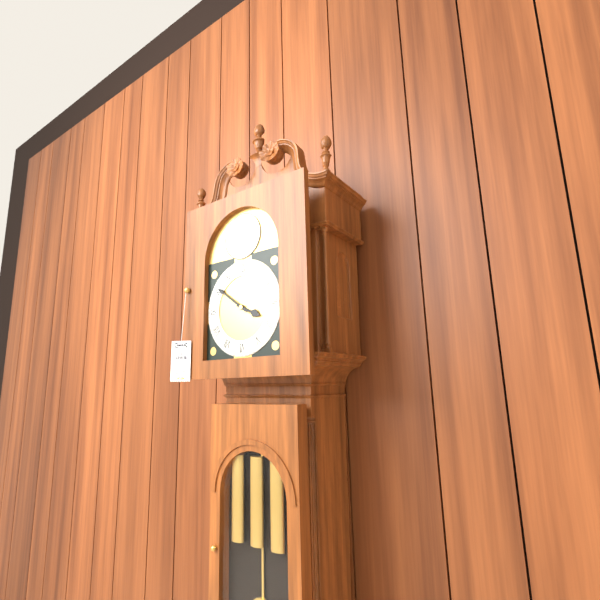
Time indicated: 3:51
